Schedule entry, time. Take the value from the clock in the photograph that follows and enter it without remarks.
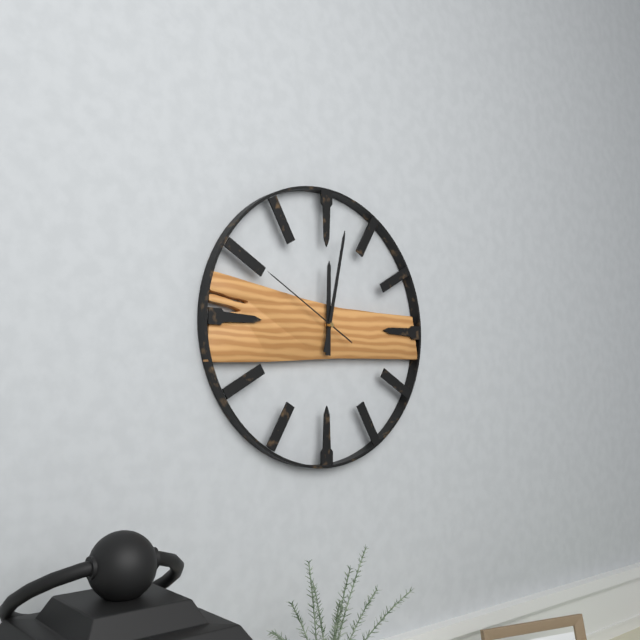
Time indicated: 12:02:50
